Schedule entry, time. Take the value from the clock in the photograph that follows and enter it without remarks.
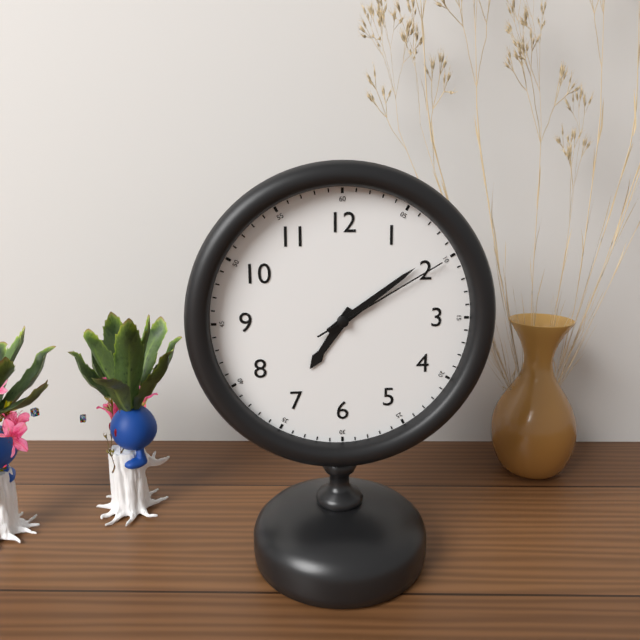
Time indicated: 7:09:10
